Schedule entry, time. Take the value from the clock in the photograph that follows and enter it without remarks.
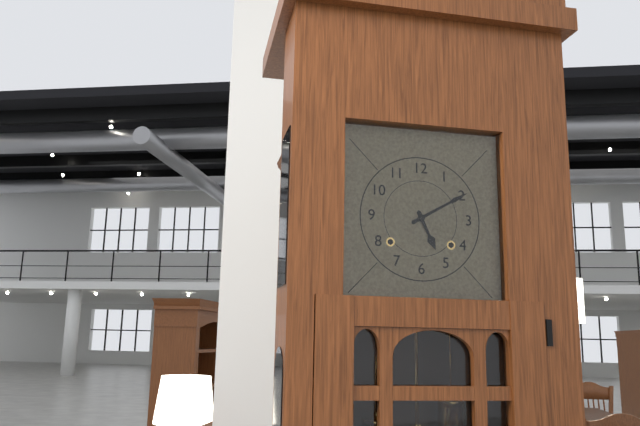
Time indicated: 5:10
